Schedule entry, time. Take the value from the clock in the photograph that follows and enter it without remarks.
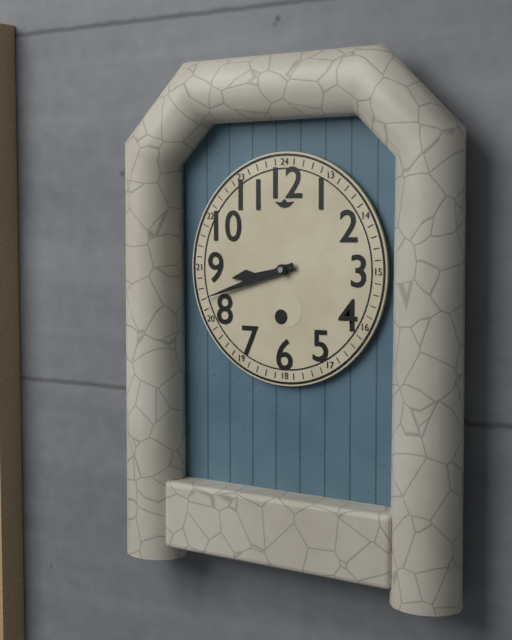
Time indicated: 8:42
